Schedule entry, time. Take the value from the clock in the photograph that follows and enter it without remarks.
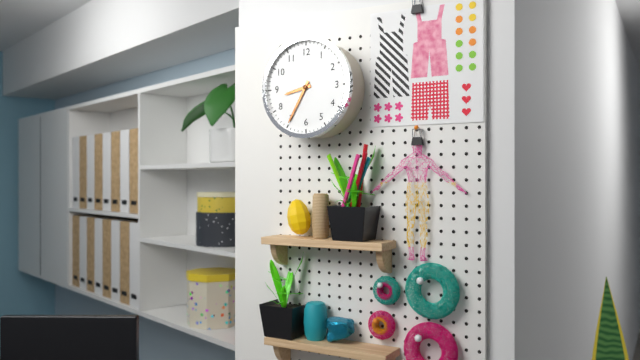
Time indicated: 8:35
